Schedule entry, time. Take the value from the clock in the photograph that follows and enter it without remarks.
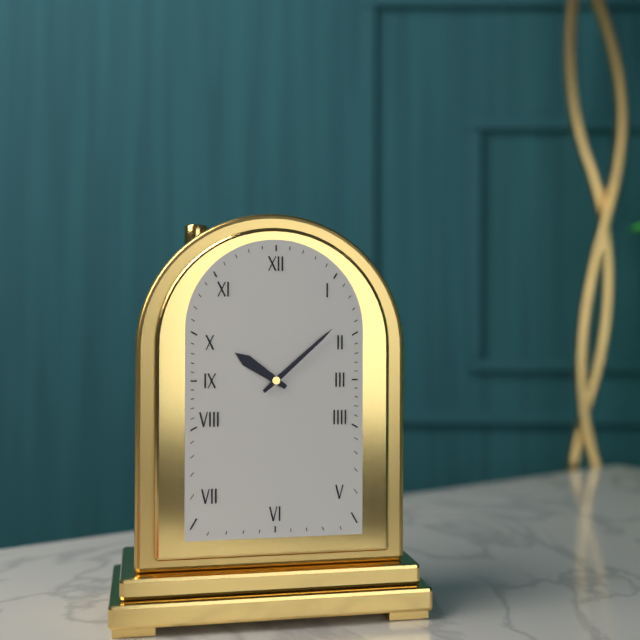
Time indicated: 10:08
